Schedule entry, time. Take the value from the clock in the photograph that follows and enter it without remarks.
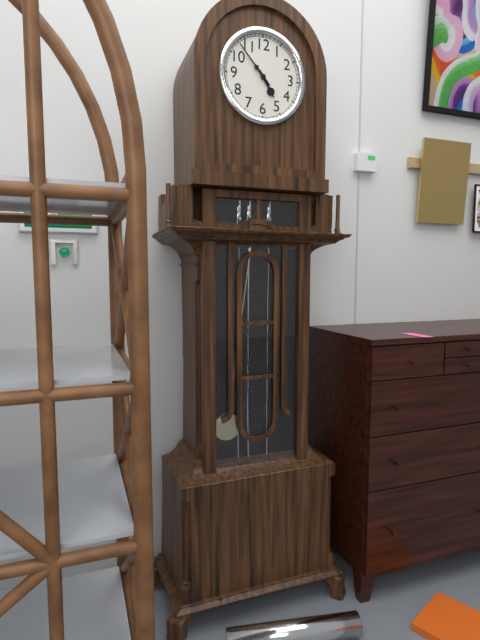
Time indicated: 4:53
